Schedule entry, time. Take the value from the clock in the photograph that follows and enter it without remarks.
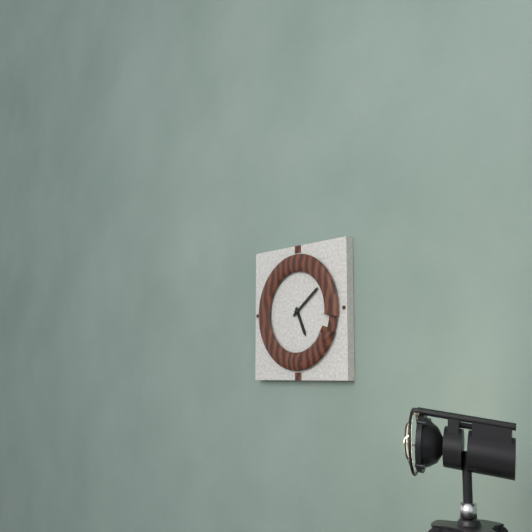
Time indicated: 5:09
